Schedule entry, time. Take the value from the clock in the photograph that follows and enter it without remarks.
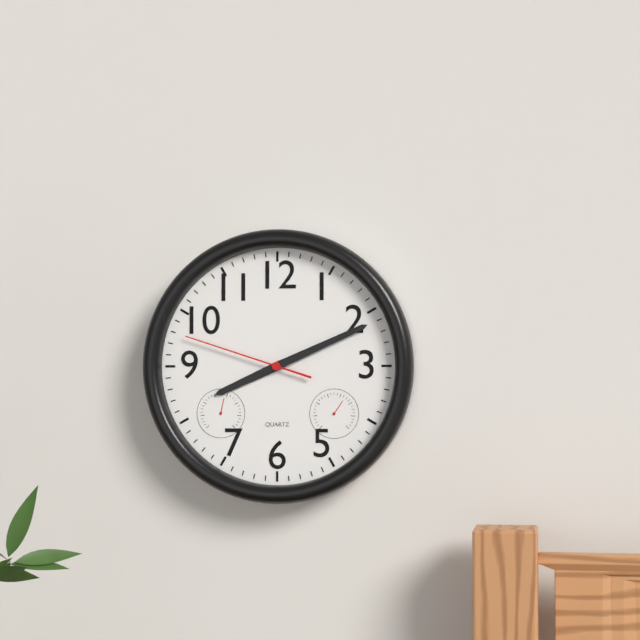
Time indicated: 8:11:48
